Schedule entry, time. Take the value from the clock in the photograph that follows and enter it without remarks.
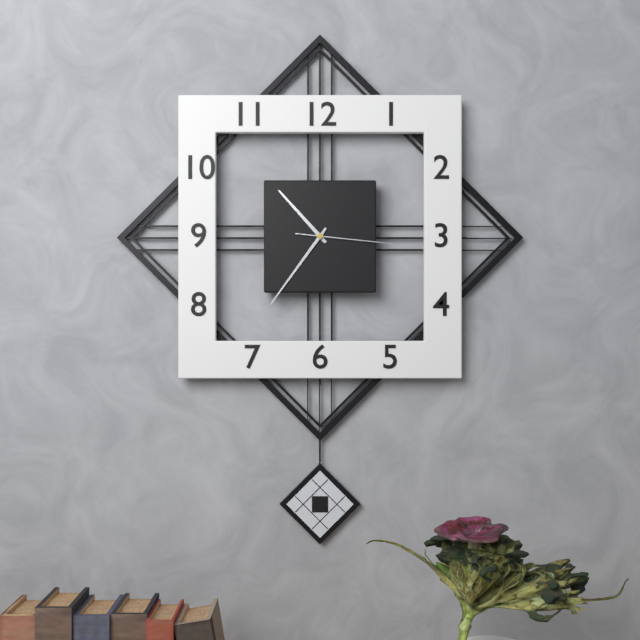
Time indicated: 10:36:16
